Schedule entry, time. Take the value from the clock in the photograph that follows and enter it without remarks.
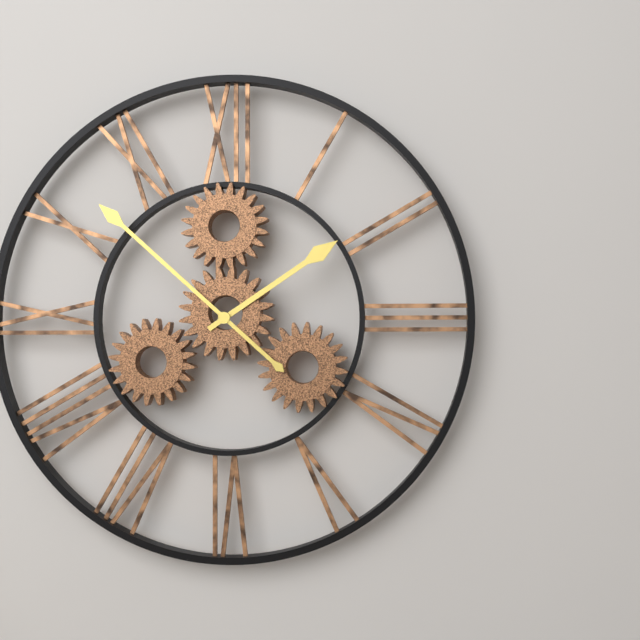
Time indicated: 1:52
